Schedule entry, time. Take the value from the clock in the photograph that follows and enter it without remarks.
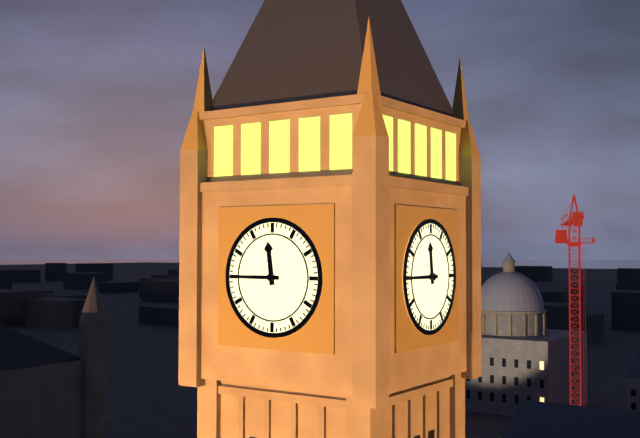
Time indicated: 11:45
